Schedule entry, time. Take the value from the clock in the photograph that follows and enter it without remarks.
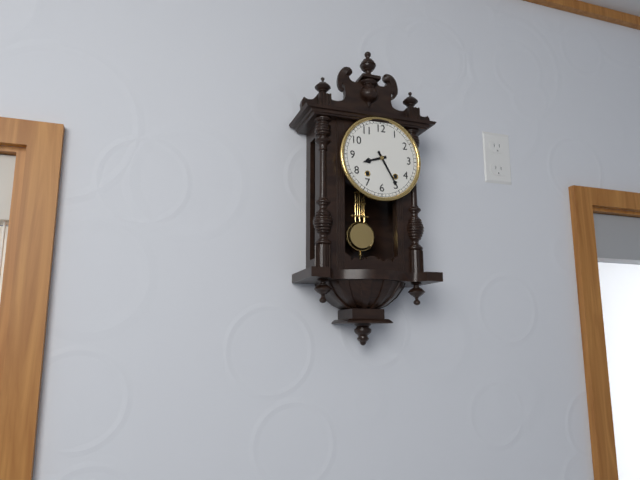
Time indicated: 8:25
